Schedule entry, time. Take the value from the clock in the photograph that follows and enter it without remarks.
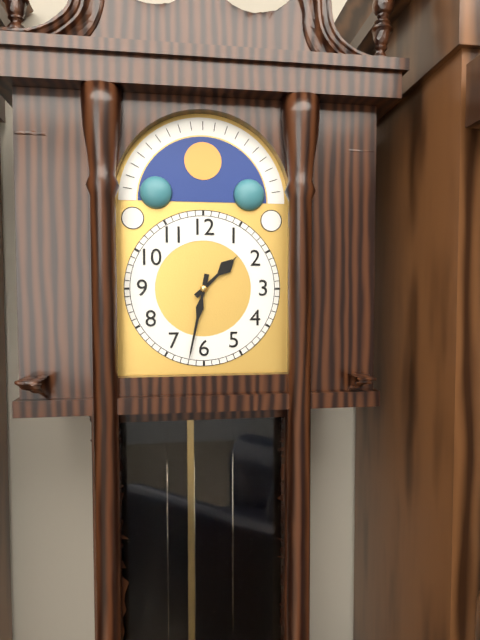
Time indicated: 1:32
